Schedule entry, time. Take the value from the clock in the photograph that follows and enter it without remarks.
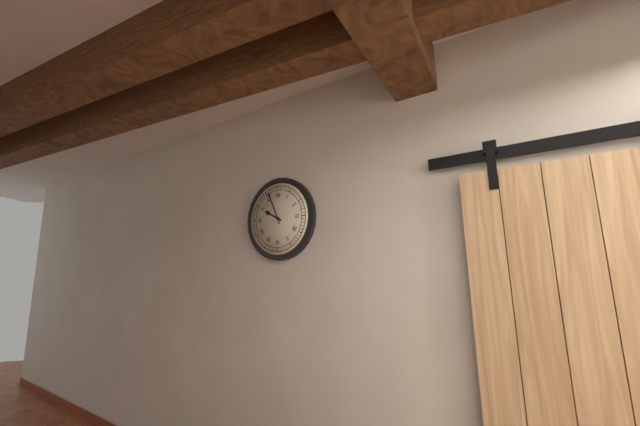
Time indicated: 9:56
